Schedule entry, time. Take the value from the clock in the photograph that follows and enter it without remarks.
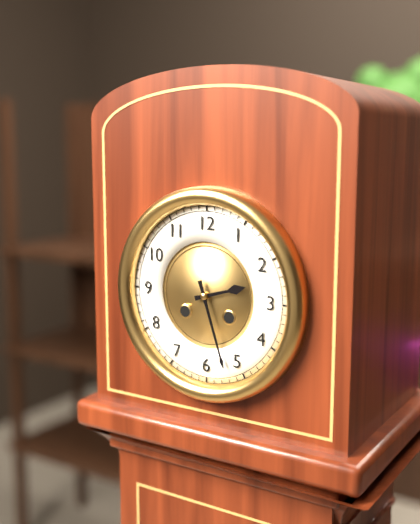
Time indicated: 2:27
